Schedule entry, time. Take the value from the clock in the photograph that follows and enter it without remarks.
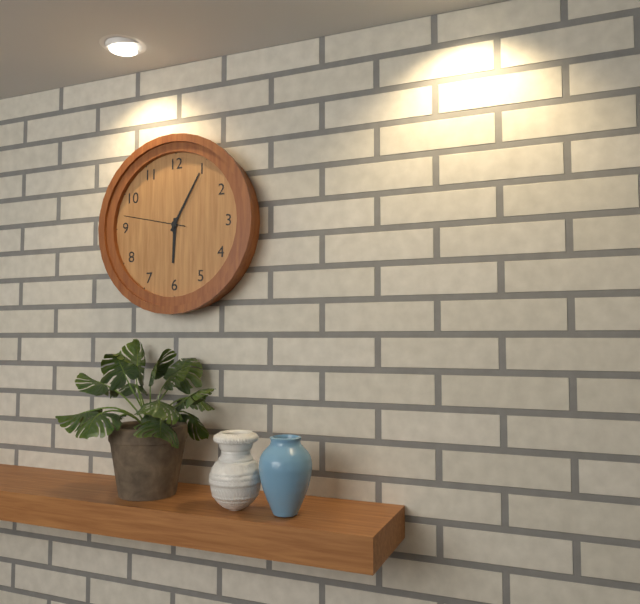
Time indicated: 6:05:47
